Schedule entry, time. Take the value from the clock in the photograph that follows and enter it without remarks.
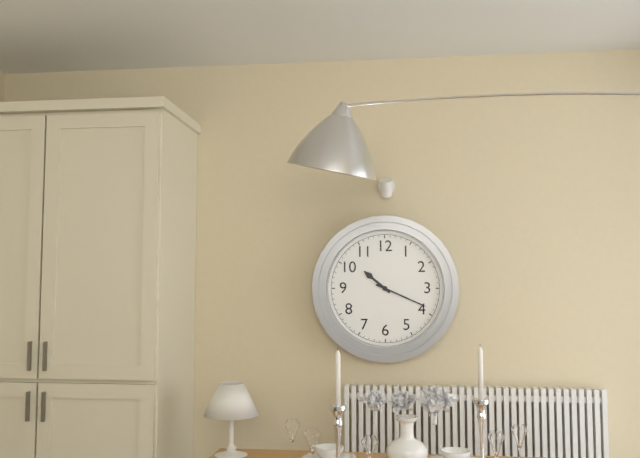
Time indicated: 10:19
